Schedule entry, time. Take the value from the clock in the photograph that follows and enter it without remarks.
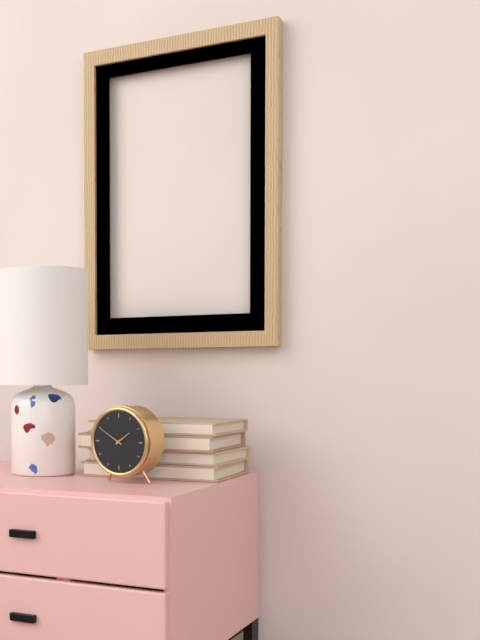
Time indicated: 1:50
